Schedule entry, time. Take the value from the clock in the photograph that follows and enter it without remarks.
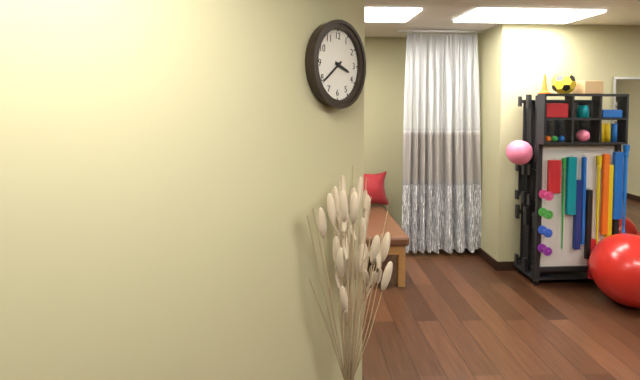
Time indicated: 3:39
